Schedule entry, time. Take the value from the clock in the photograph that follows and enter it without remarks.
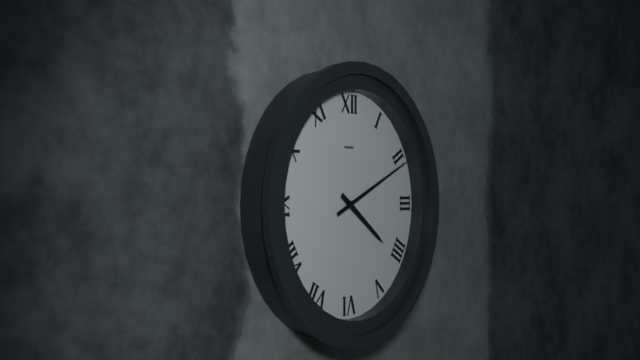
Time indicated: 4:11
